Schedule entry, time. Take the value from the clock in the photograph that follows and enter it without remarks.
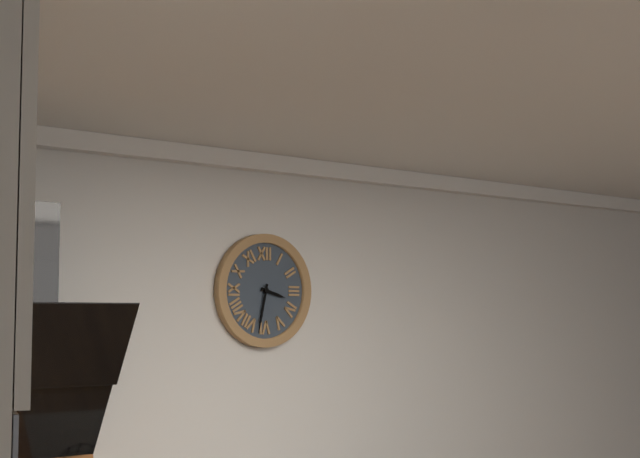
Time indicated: 3:32
